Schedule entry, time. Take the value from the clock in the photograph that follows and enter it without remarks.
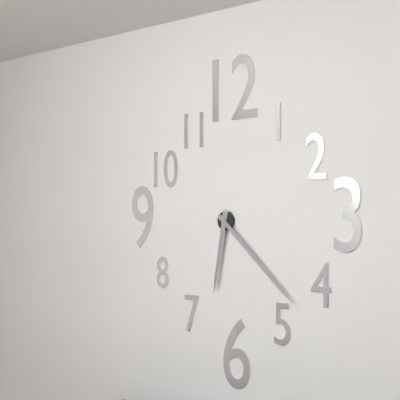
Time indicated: 6:22
